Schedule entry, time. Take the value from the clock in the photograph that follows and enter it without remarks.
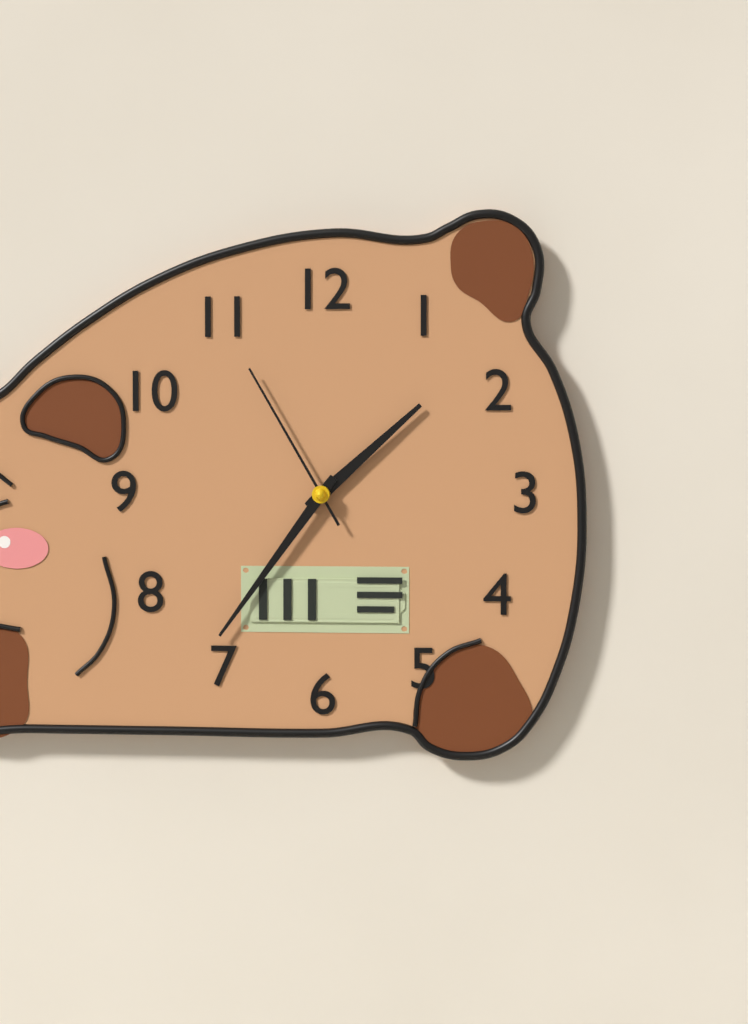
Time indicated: 1:36:55
